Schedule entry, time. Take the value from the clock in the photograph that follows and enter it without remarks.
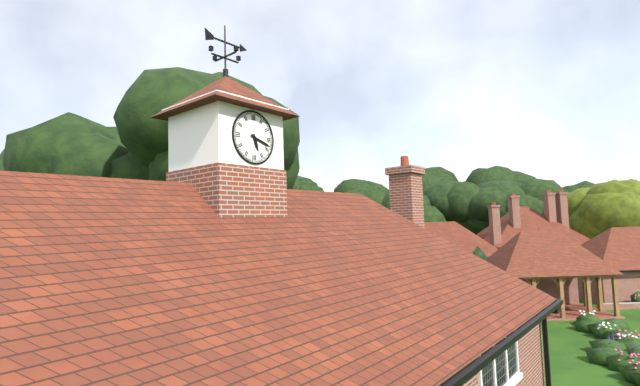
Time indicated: 5:18
